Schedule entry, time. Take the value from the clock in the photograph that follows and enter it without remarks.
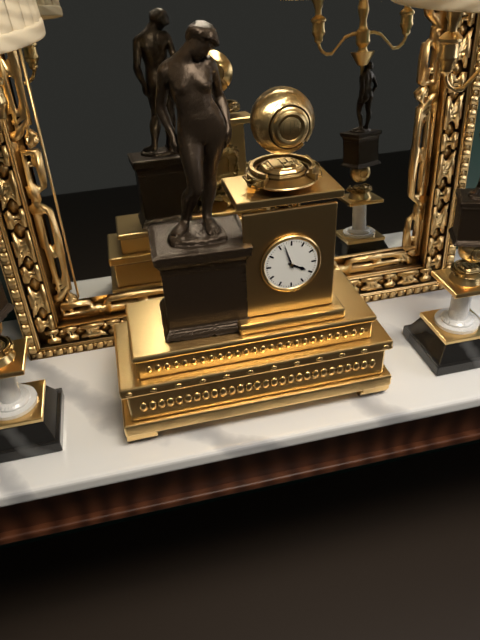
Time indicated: 3:57
